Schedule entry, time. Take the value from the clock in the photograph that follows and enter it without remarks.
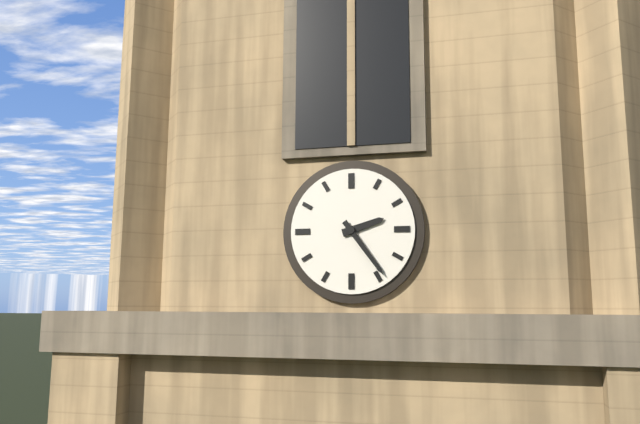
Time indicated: 2:24
